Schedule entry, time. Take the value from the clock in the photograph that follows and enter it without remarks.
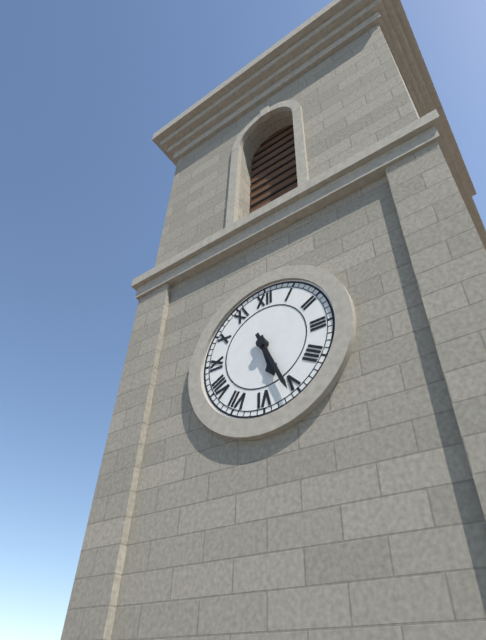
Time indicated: 5:26
